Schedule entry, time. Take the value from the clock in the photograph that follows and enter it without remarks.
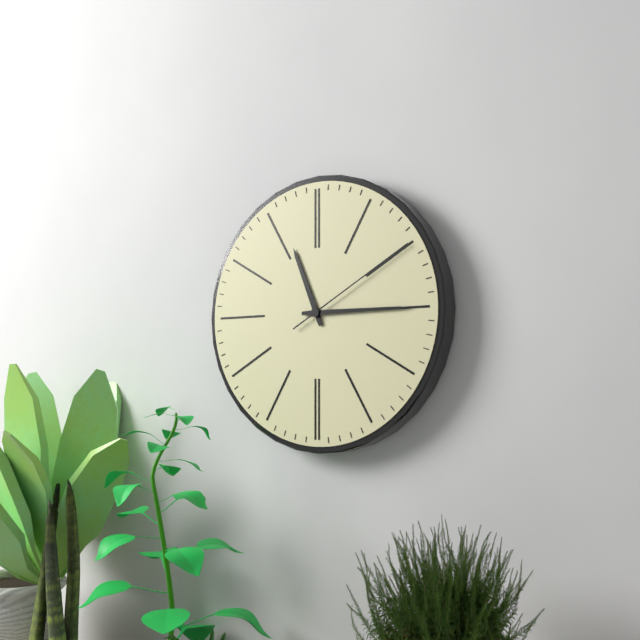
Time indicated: 11:15:10
